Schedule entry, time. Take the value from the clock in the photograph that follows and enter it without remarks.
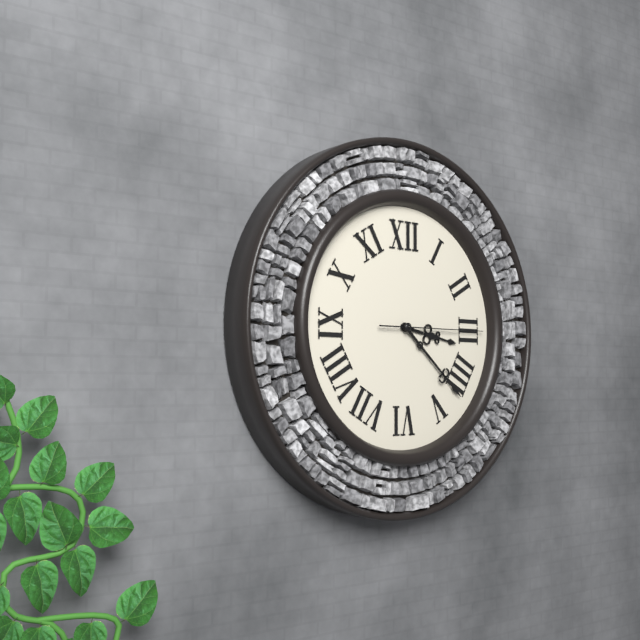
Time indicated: 3:22:15
